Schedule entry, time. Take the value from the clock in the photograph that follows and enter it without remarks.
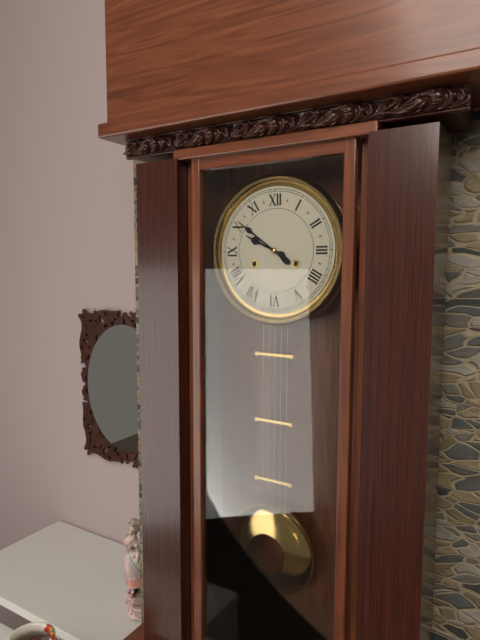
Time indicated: 9:51
